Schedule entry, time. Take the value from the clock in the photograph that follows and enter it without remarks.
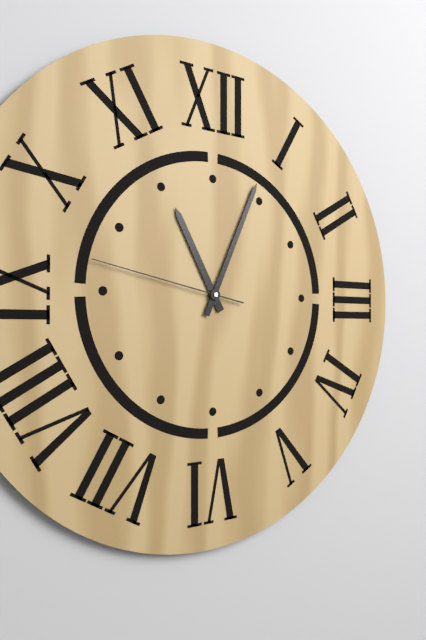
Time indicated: 11:04:47
